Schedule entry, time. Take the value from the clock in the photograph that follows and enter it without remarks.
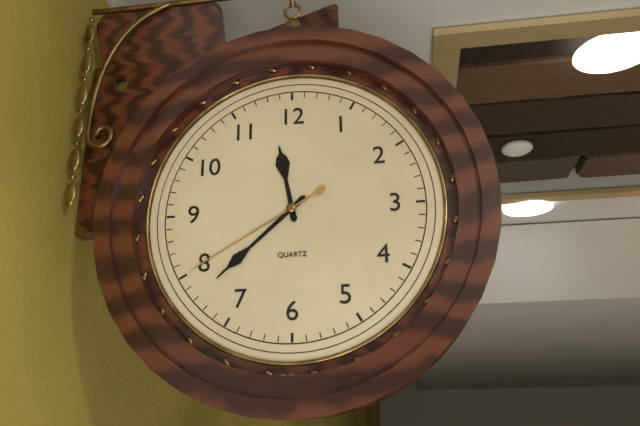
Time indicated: 11:38:40
